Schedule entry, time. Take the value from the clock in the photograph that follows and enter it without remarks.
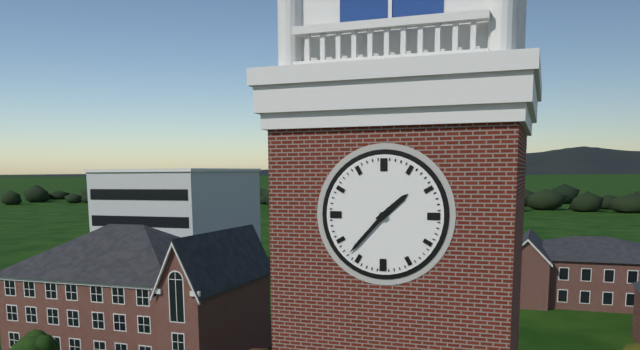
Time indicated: 1:37
